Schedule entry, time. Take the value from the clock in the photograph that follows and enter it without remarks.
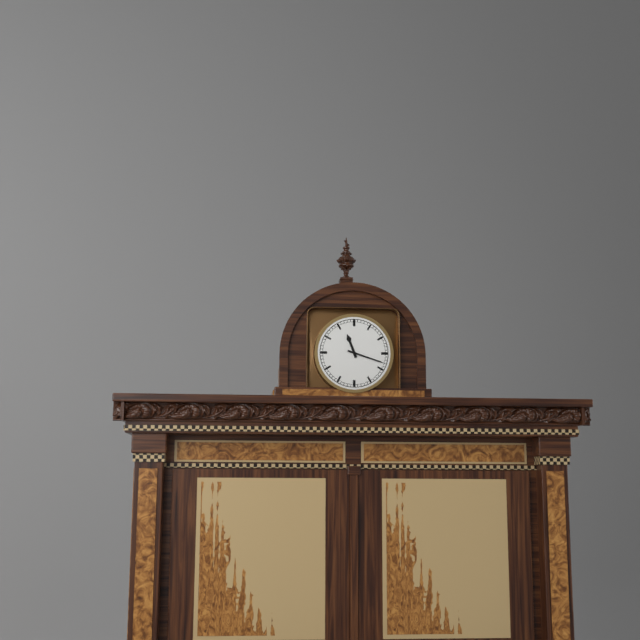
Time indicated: 11:18
